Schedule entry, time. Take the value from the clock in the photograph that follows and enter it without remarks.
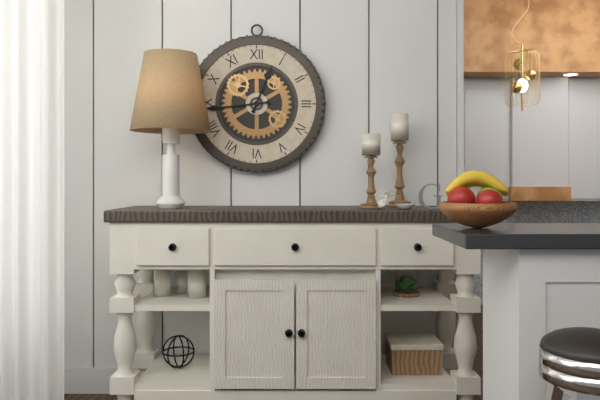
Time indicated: 12:44
